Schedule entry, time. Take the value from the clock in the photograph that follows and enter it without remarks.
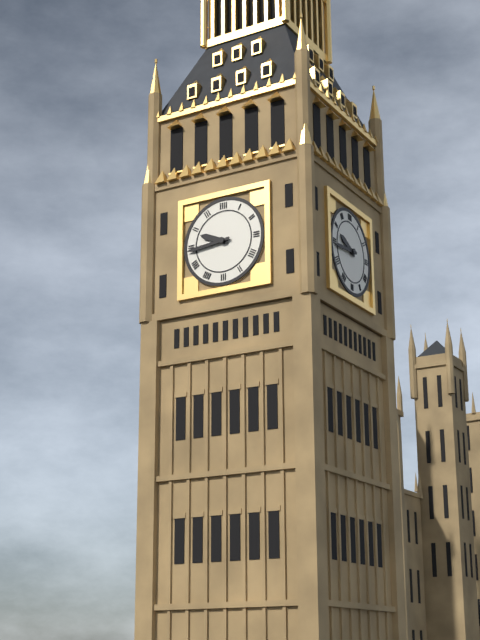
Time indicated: 9:44
